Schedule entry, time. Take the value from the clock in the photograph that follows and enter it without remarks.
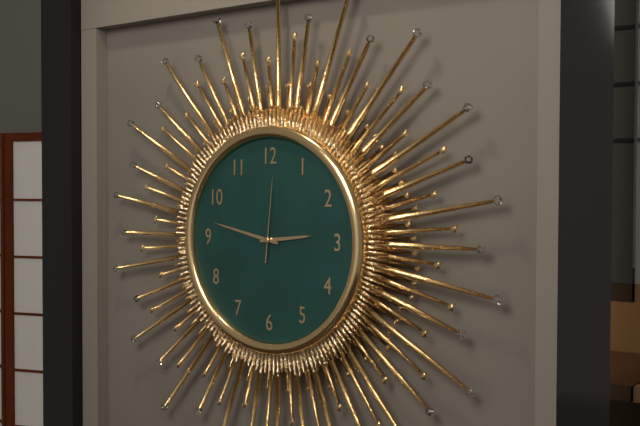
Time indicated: 2:47:01
